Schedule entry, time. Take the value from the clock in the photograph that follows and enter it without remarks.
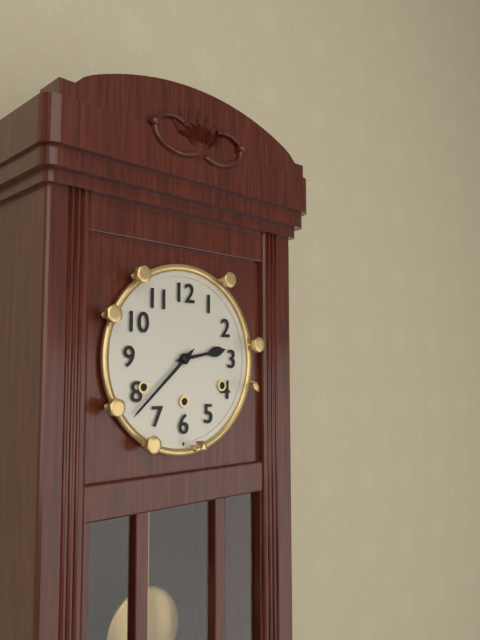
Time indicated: 2:38
